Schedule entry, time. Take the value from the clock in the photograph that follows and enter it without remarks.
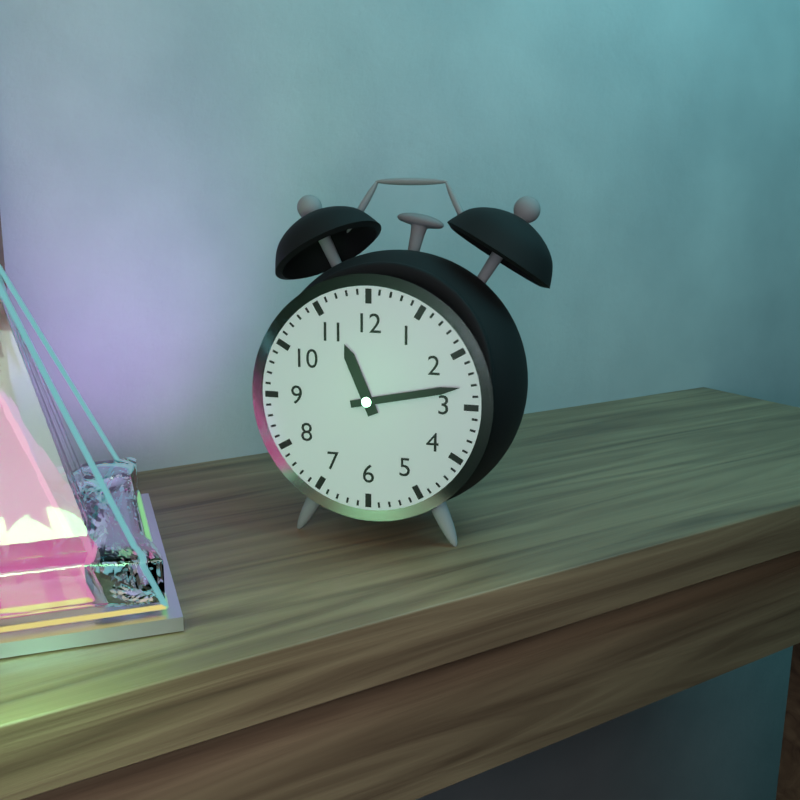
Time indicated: 11:13
